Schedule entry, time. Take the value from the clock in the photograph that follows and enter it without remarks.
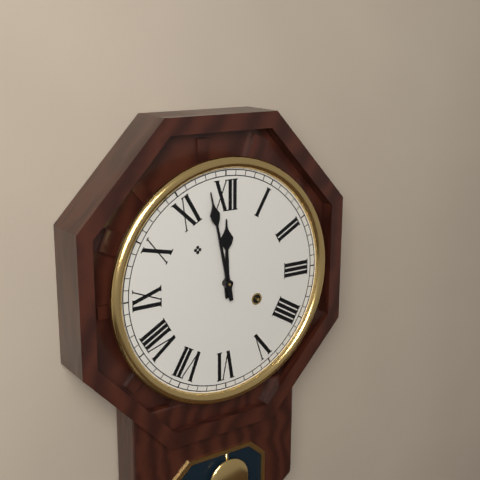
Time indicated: 11:58
